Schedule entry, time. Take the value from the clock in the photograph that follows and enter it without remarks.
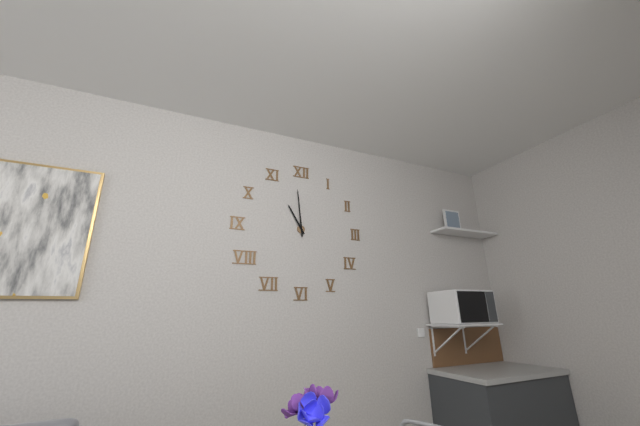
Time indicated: 10:59
